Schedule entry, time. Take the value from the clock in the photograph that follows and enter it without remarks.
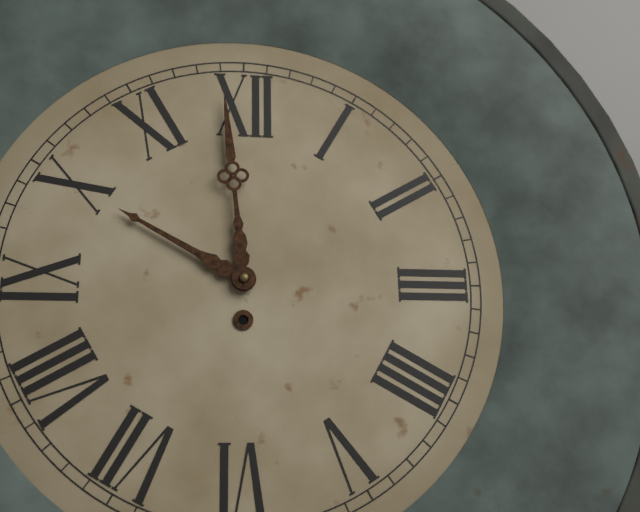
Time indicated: 9:59
